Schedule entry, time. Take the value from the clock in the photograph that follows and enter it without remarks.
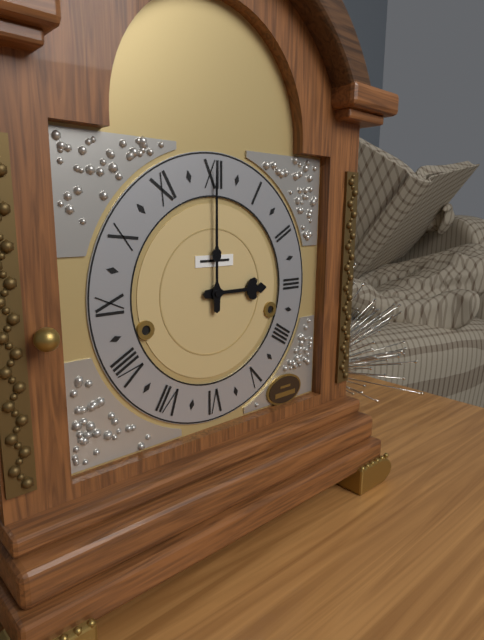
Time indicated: 3:00
